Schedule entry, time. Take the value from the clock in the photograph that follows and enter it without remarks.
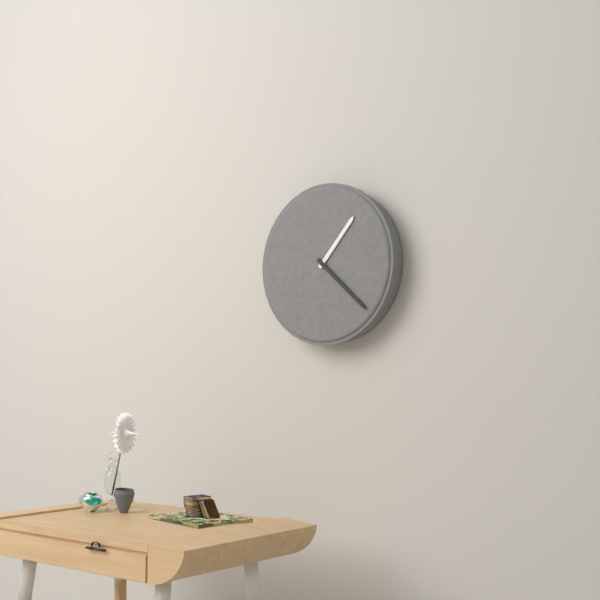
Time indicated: 1:22
